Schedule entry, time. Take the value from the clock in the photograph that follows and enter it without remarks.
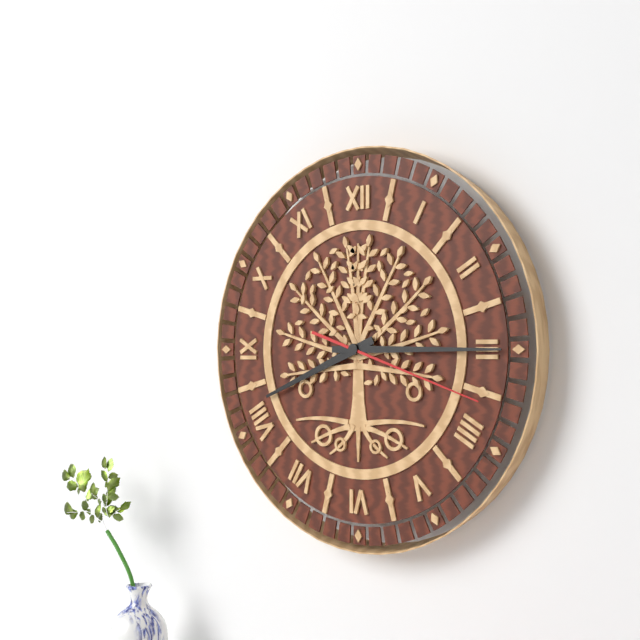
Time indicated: 8:15:18
